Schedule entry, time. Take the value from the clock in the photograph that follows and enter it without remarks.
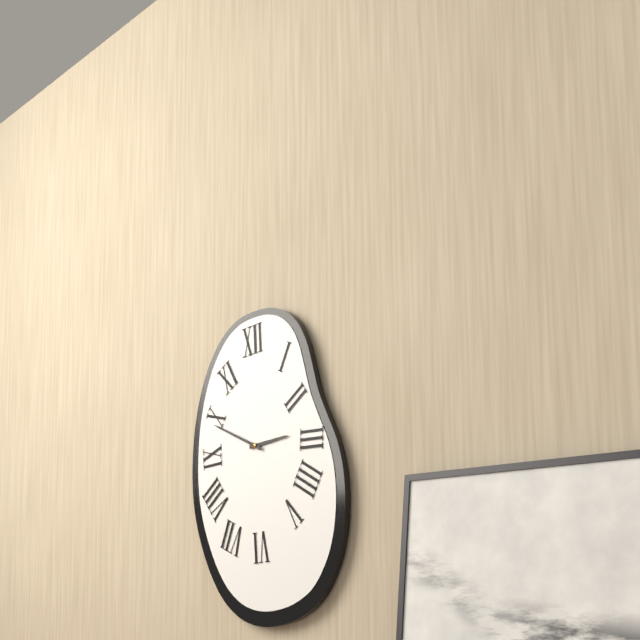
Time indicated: 2:49
